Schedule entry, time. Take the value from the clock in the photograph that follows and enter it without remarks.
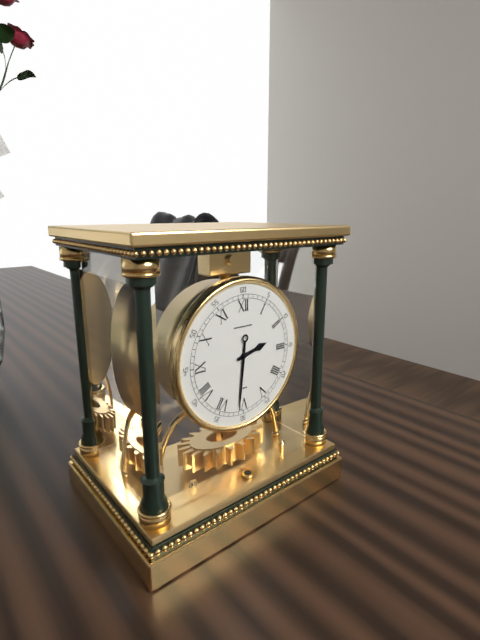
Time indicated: 2:31
